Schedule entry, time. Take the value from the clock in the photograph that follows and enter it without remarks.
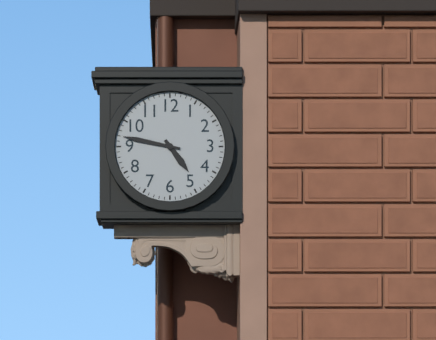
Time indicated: 4:47
